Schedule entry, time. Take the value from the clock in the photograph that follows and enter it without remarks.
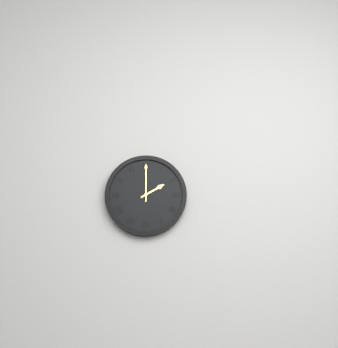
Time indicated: 2:00
